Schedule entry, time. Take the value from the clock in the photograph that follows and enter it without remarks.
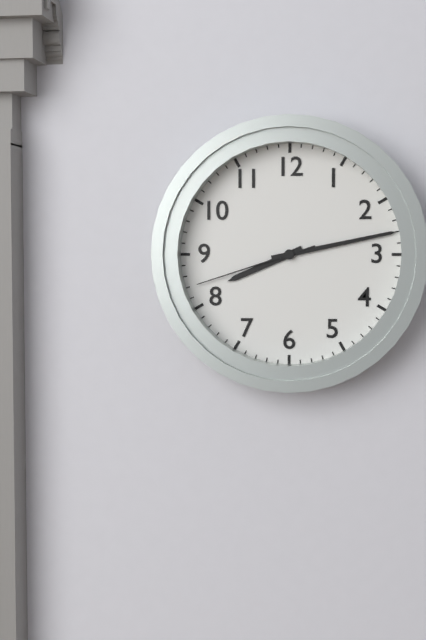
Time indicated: 8:13:42
